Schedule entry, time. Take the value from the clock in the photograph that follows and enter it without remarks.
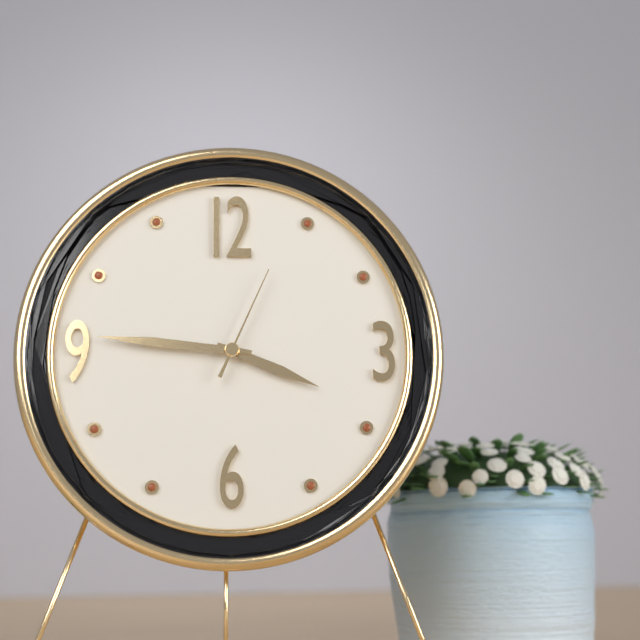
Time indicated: 3:46:04
